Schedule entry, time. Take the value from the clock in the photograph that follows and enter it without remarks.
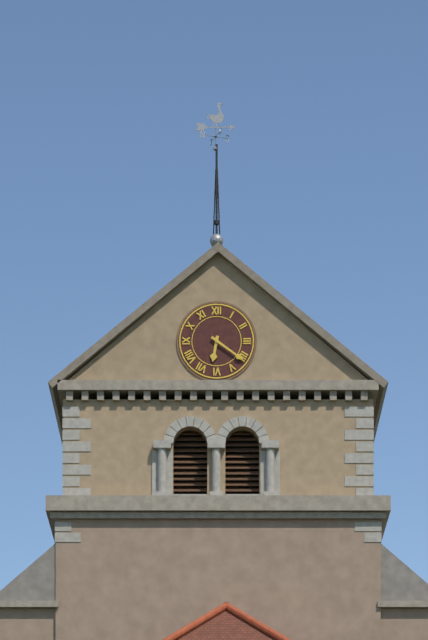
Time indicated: 6:21
